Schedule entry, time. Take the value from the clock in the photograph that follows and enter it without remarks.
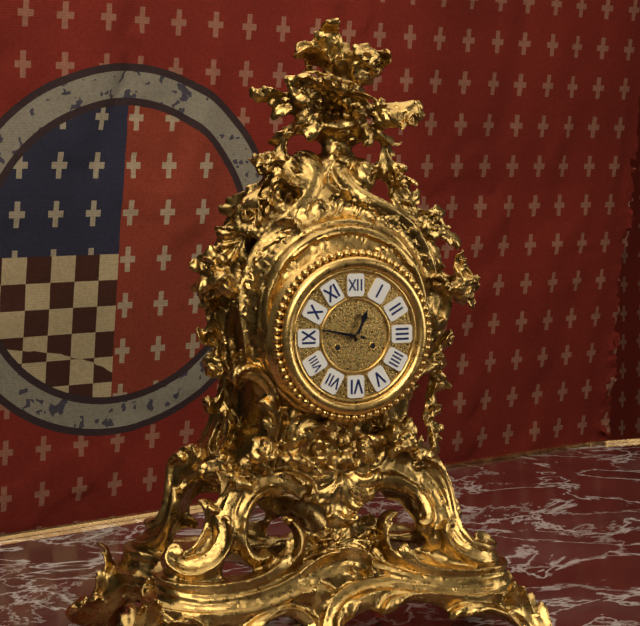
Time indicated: 12:47
